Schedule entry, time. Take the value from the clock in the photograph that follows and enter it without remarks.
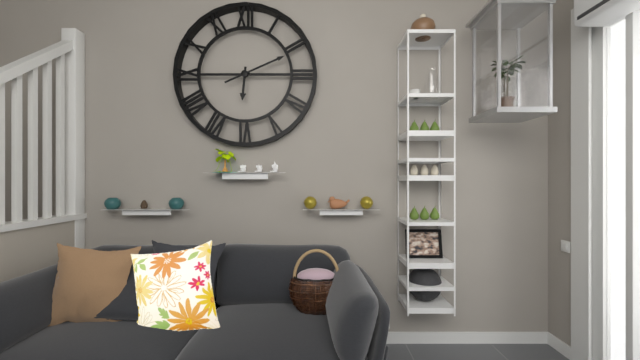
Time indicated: 6:11
